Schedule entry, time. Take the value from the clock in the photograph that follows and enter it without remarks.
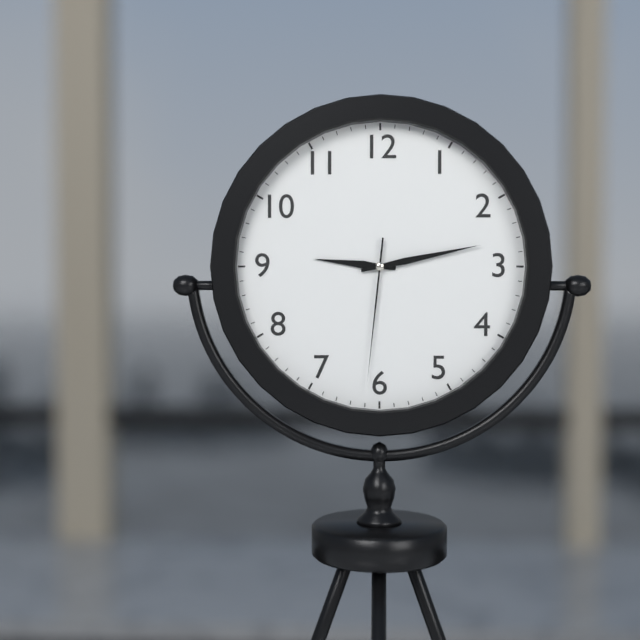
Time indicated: 9:13:31
